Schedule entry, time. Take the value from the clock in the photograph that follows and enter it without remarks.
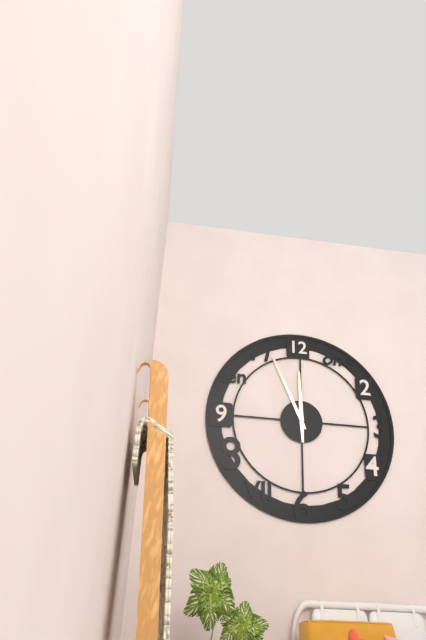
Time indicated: 11:56
